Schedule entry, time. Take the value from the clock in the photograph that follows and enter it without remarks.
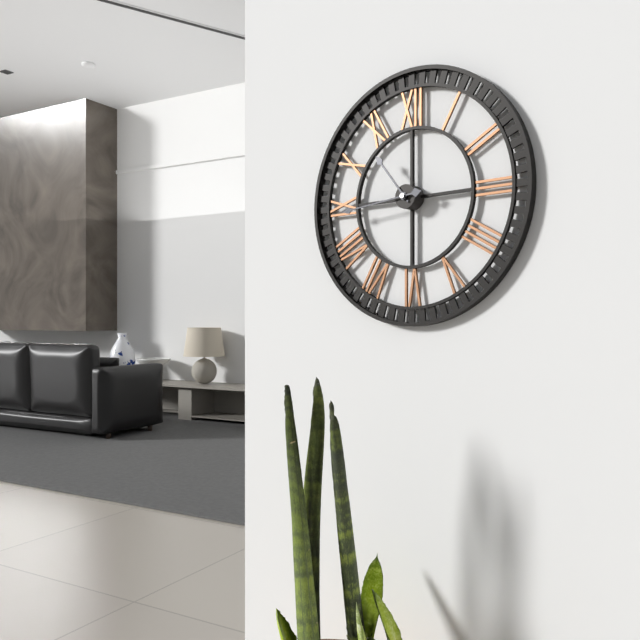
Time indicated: 10:44
